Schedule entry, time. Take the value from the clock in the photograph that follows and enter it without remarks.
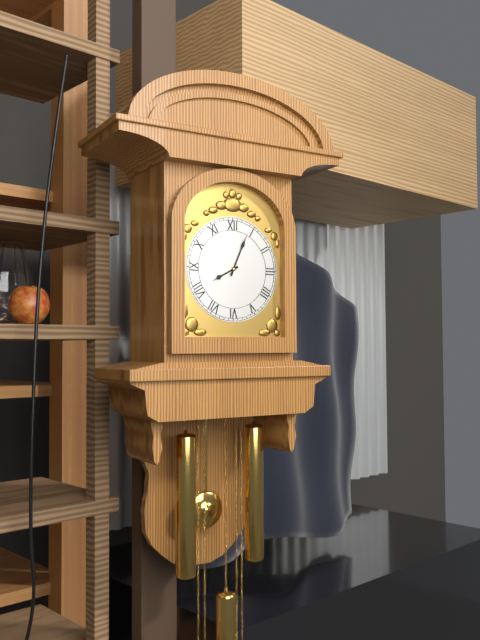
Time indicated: 8:04
